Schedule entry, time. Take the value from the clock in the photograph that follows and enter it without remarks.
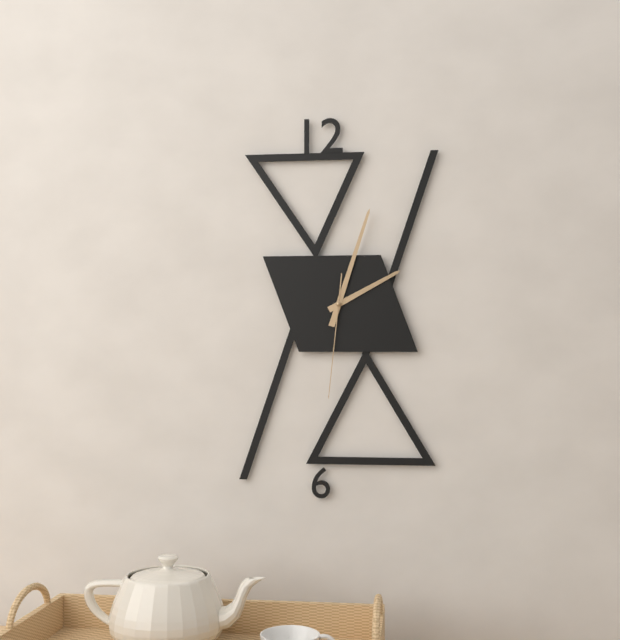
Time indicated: 2:03:31
